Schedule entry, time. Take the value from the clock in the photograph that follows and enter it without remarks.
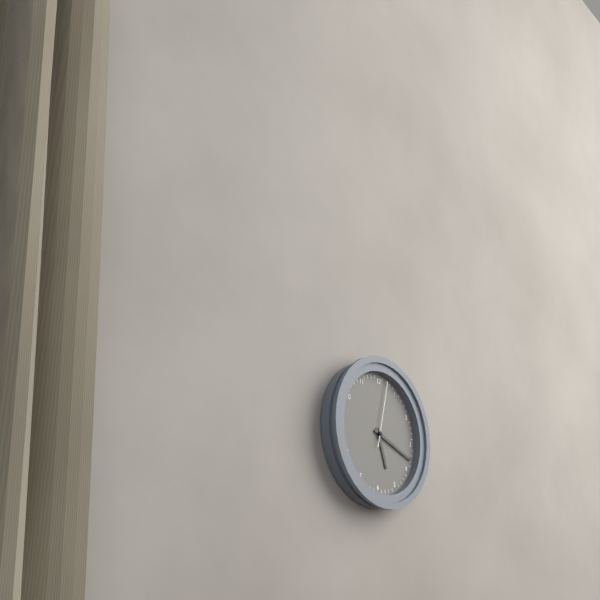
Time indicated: 5:18:02
